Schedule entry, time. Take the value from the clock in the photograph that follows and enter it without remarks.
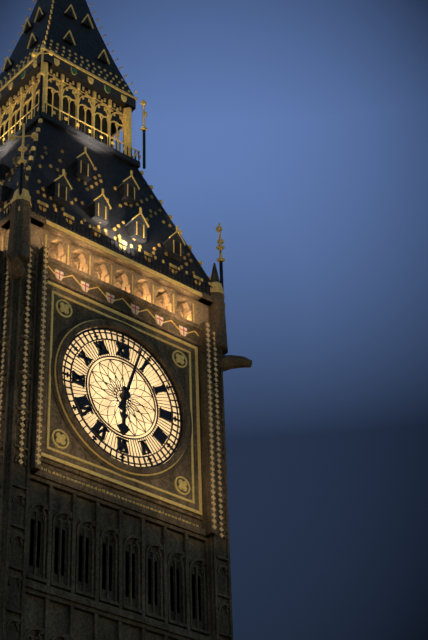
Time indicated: 6:03
